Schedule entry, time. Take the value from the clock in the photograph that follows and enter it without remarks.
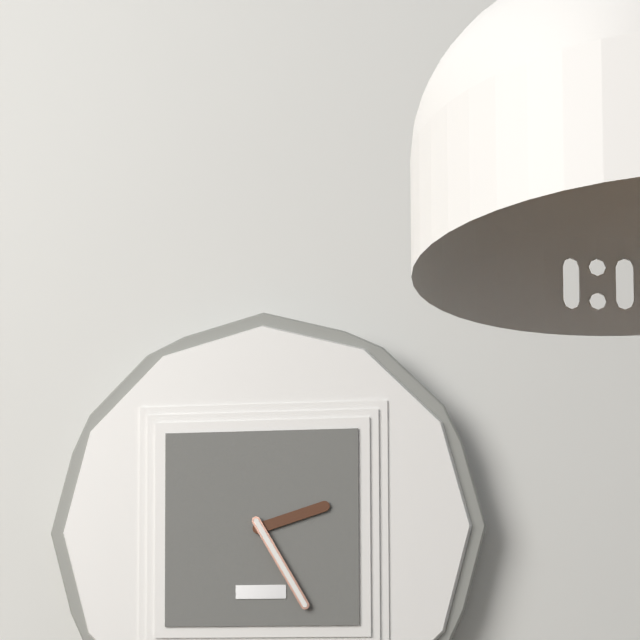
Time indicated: 2:25
